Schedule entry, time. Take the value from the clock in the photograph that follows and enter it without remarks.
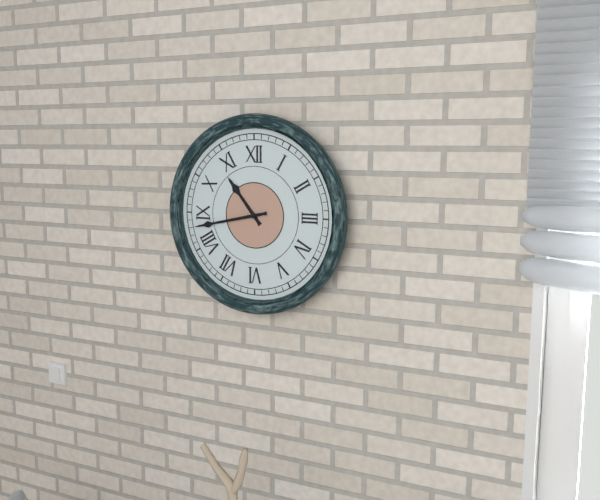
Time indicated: 10:43
